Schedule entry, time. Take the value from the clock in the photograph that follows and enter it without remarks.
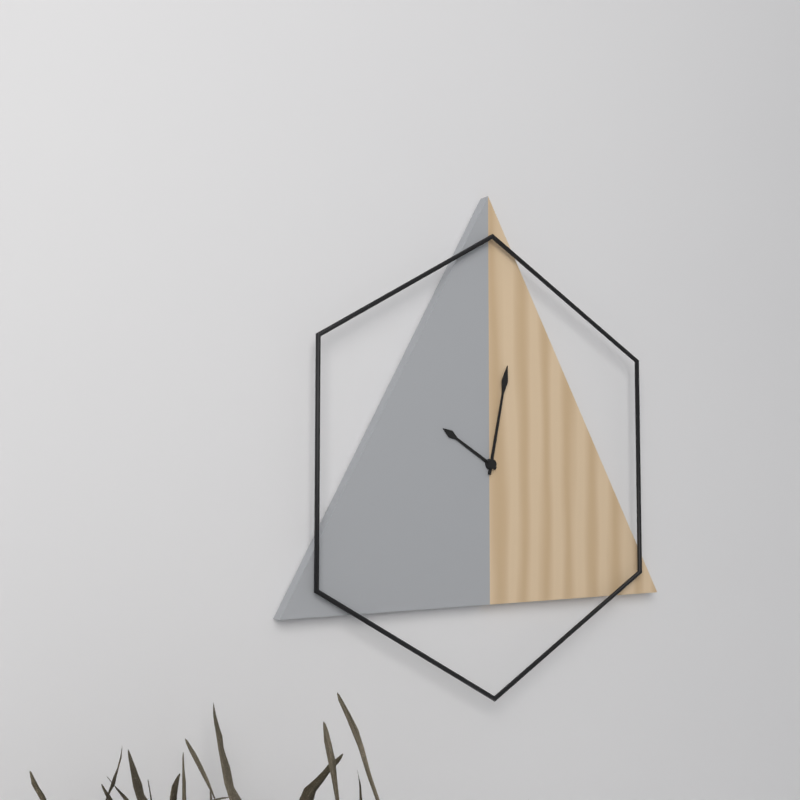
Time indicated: 10:02
